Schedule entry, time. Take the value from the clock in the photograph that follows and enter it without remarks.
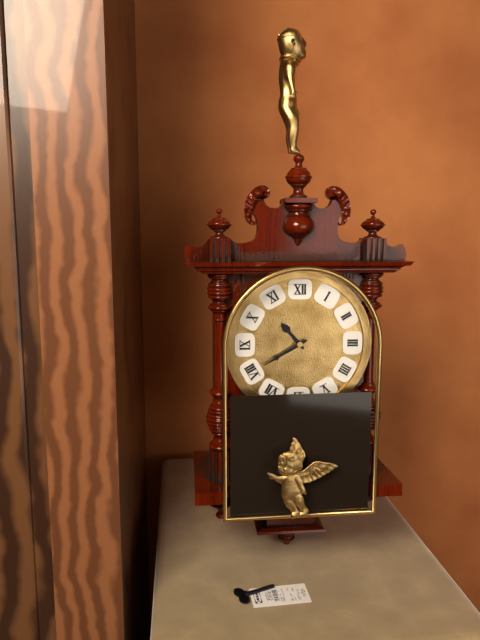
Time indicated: 10:40
